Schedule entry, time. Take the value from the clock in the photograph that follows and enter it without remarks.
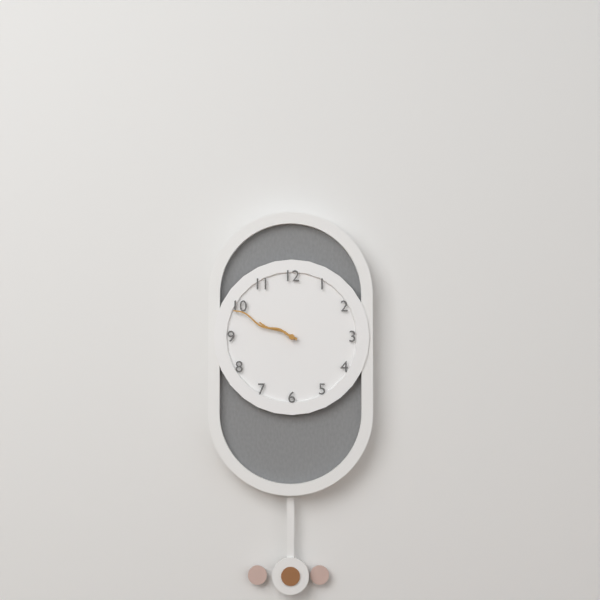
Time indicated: 9:49
